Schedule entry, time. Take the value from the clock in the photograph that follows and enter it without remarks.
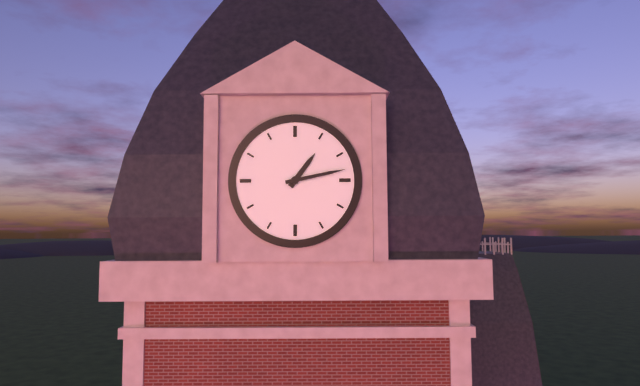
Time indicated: 1:13
